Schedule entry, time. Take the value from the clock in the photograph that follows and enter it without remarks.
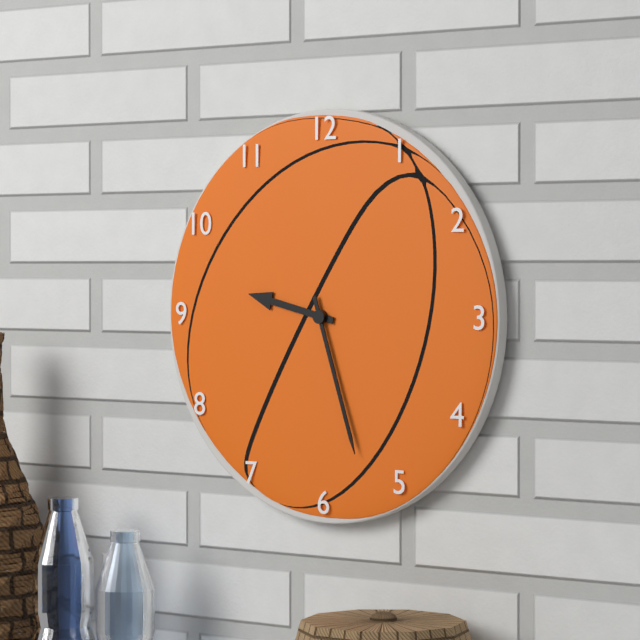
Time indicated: 9:27
